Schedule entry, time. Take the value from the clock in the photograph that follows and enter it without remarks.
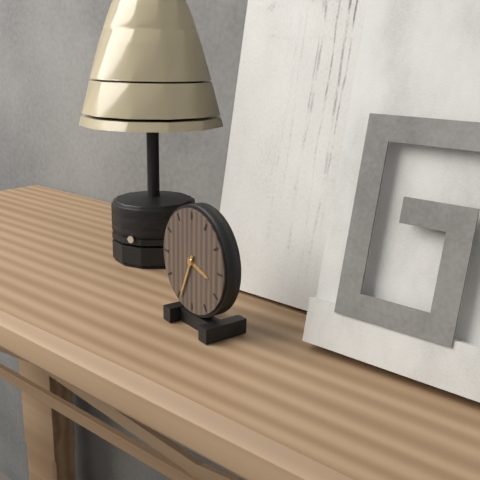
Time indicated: 3:34
